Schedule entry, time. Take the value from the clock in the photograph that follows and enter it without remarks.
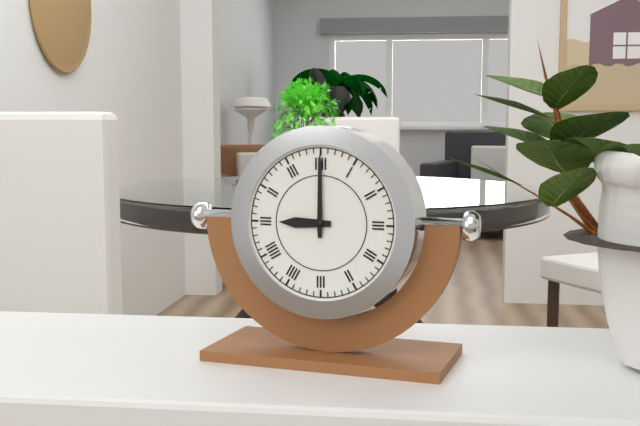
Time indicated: 9:00
